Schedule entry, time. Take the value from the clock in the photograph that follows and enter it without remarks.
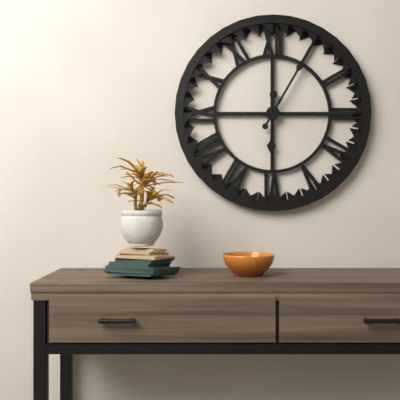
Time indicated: 6:05
